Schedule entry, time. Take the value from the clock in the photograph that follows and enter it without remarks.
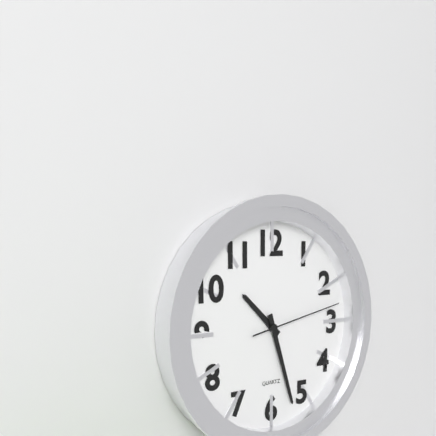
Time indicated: 10:27:13
